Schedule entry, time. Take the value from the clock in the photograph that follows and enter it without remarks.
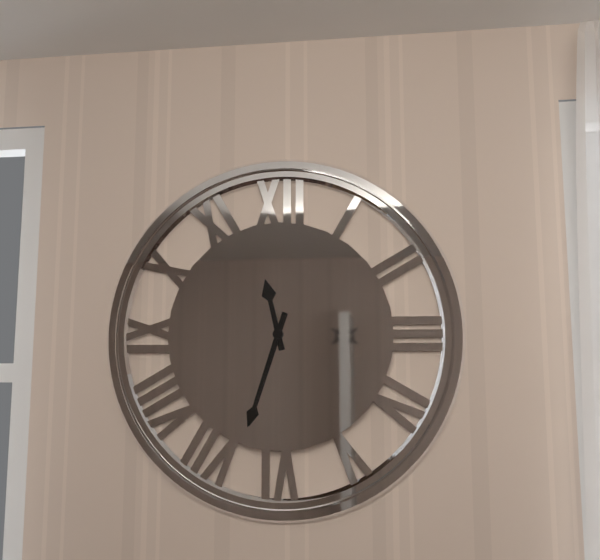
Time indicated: 11:33
